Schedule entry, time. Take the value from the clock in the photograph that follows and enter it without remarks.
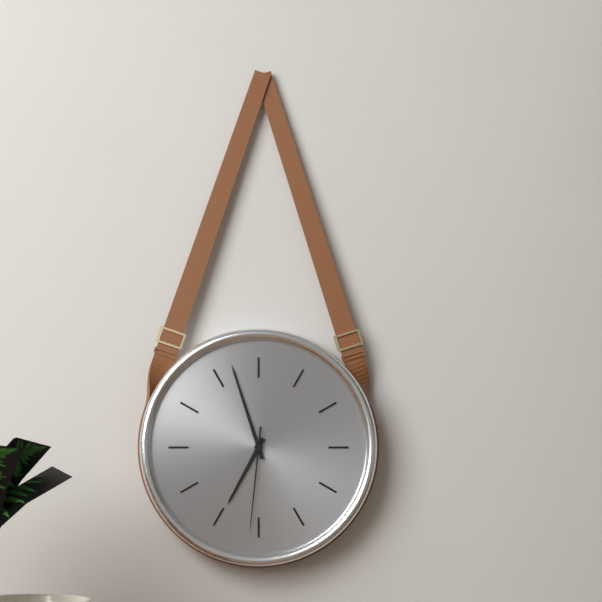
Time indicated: 6:57:31
